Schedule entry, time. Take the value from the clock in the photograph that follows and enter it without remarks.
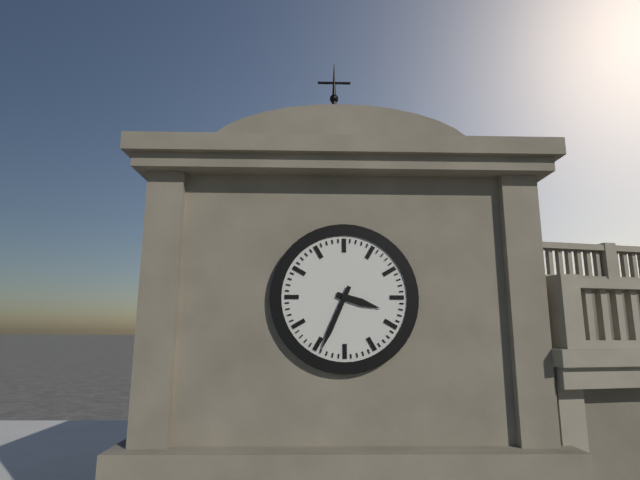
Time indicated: 3:34
